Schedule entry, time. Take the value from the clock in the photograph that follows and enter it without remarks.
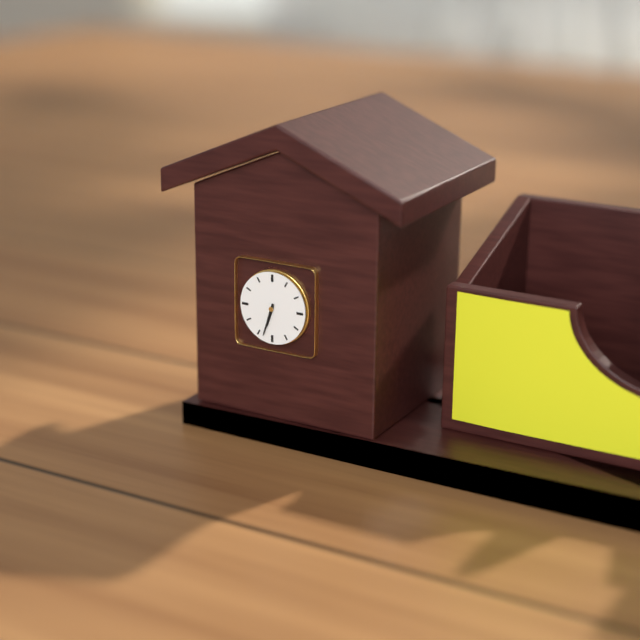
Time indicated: 6:33
